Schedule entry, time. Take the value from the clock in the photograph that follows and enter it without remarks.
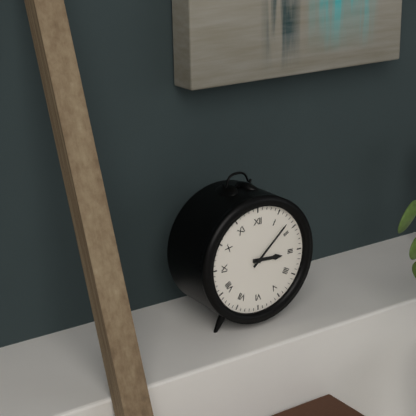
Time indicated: 3:08
